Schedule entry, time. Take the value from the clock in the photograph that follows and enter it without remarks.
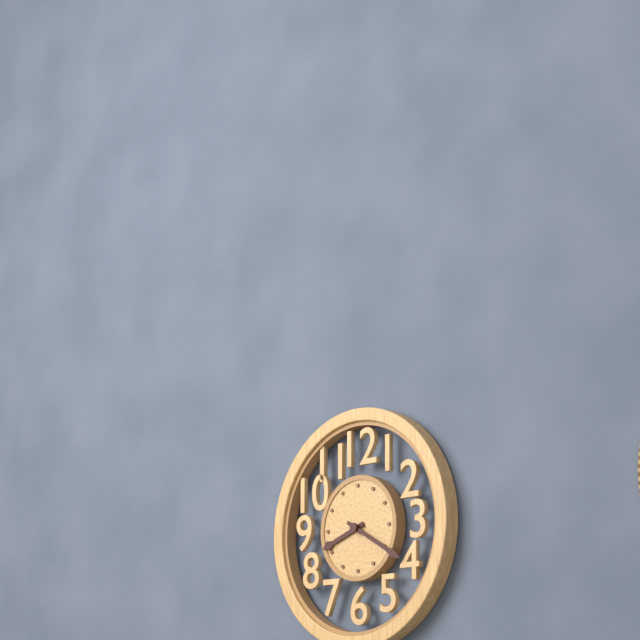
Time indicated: 8:20
